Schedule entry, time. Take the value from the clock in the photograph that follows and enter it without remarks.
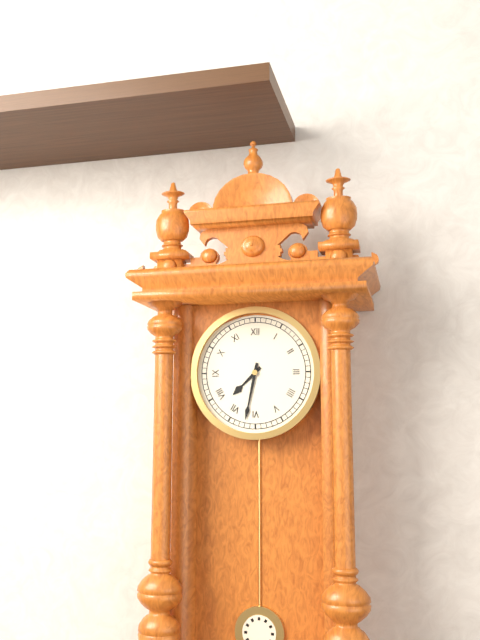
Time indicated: 7:32
